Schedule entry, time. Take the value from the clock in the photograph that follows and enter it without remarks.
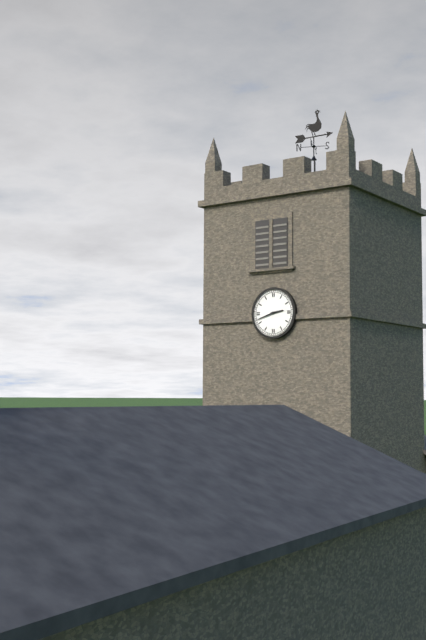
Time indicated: 2:42
